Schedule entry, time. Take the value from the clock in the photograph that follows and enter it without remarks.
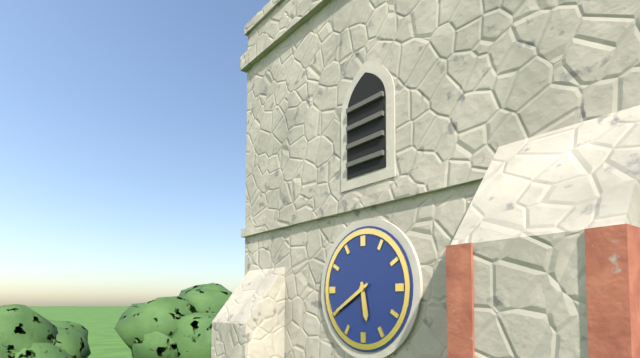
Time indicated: 5:40
